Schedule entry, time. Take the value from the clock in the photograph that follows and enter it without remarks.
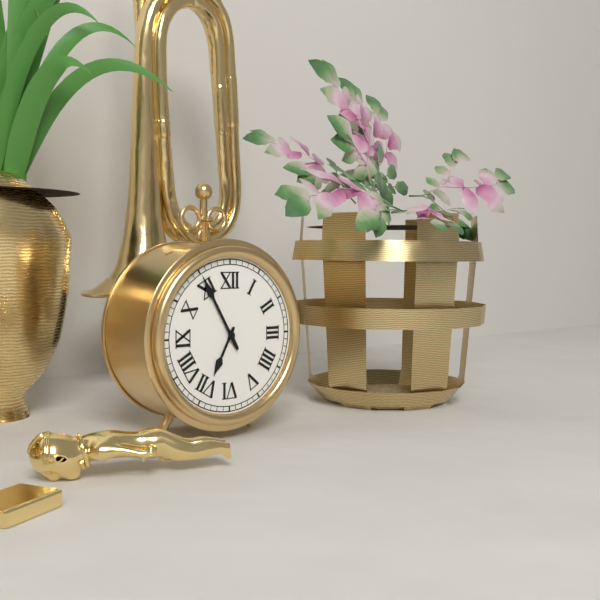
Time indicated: 6:55
